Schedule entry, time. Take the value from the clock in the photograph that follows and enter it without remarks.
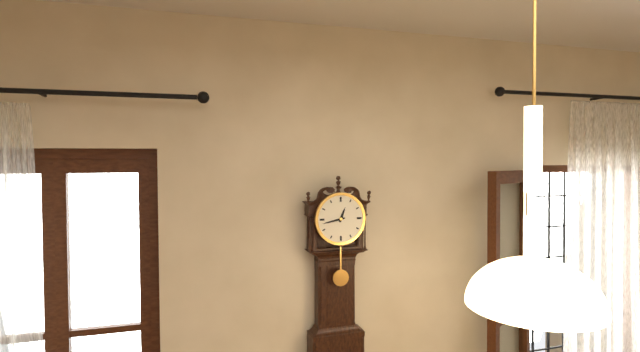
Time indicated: 12:43
